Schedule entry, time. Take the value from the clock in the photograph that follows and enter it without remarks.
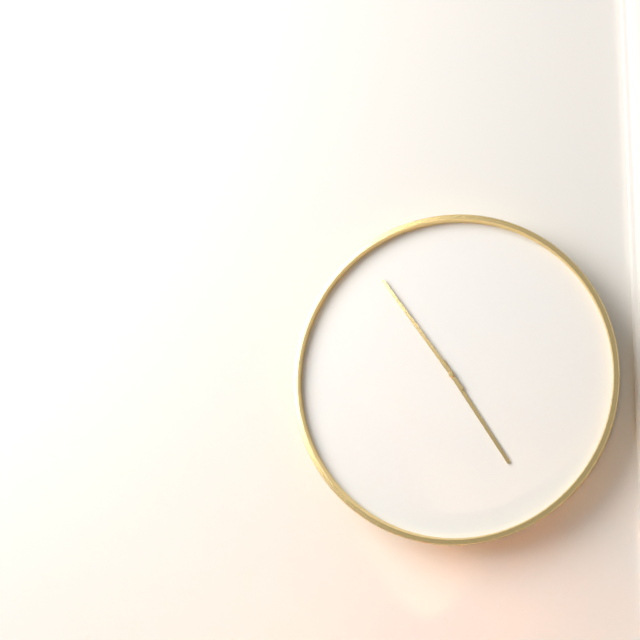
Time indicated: 4:54
